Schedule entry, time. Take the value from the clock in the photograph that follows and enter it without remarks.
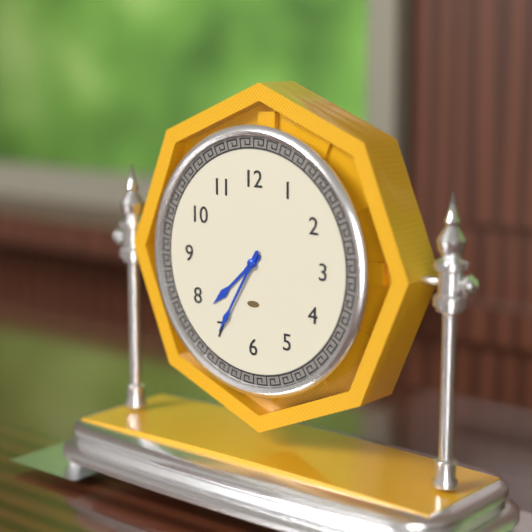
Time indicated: 7:35
